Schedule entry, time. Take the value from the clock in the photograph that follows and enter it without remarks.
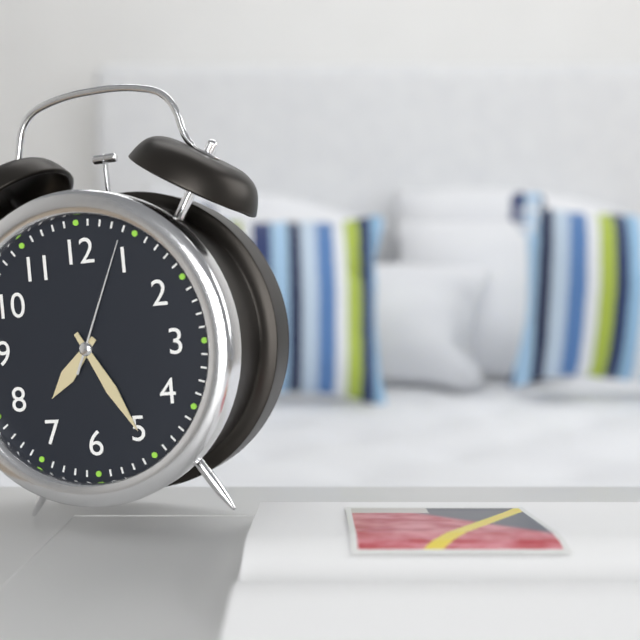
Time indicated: 7:25:04
